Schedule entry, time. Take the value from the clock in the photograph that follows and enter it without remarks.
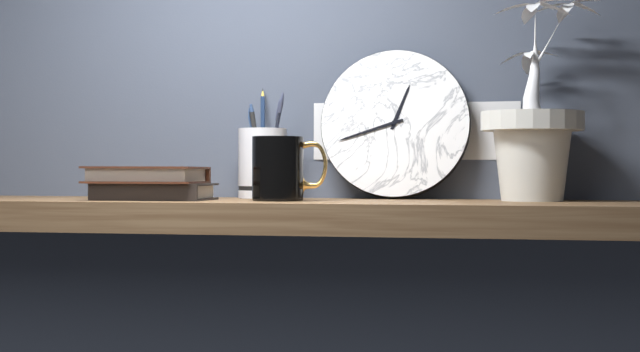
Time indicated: 12:42
